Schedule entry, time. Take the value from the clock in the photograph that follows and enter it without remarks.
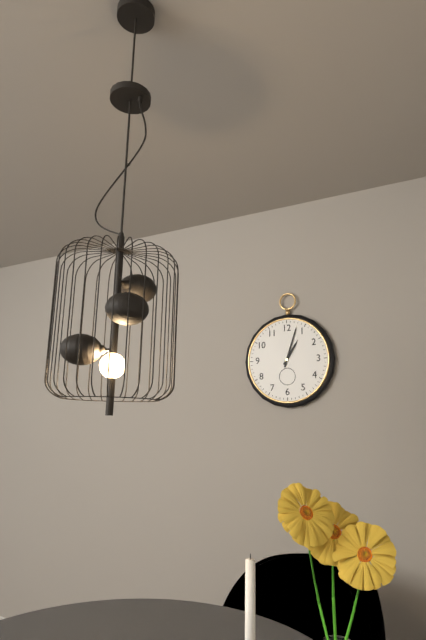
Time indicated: 1:03
